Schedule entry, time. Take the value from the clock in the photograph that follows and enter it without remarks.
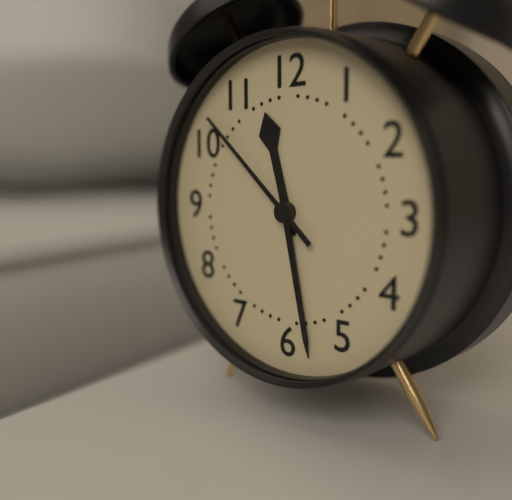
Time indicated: 11:28:52
